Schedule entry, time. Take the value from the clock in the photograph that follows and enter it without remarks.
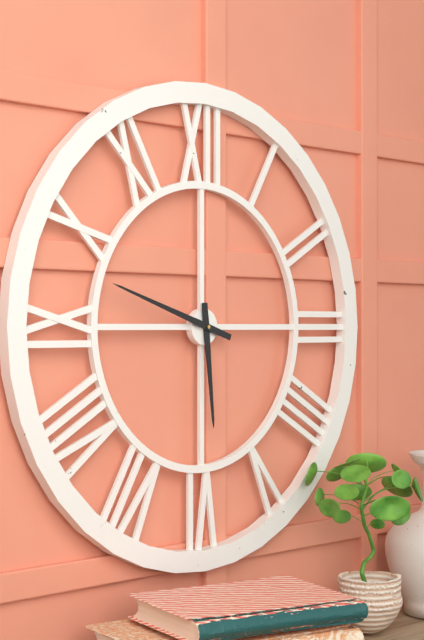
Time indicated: 5:48
